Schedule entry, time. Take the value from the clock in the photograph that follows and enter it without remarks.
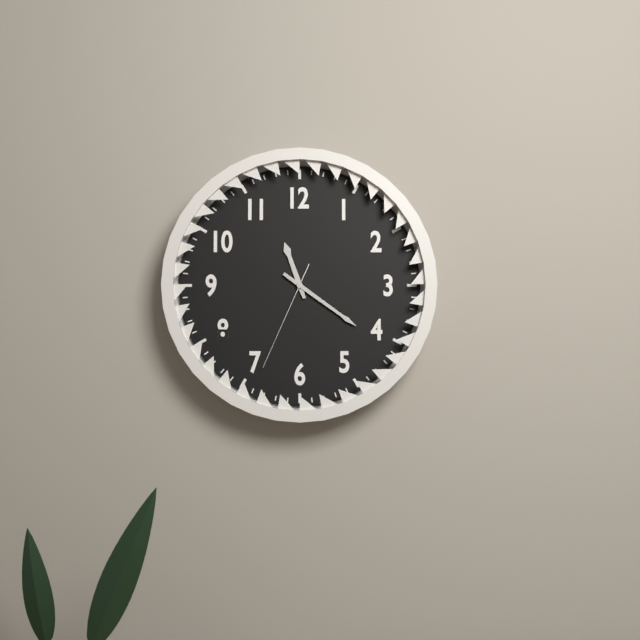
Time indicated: 11:21:34
